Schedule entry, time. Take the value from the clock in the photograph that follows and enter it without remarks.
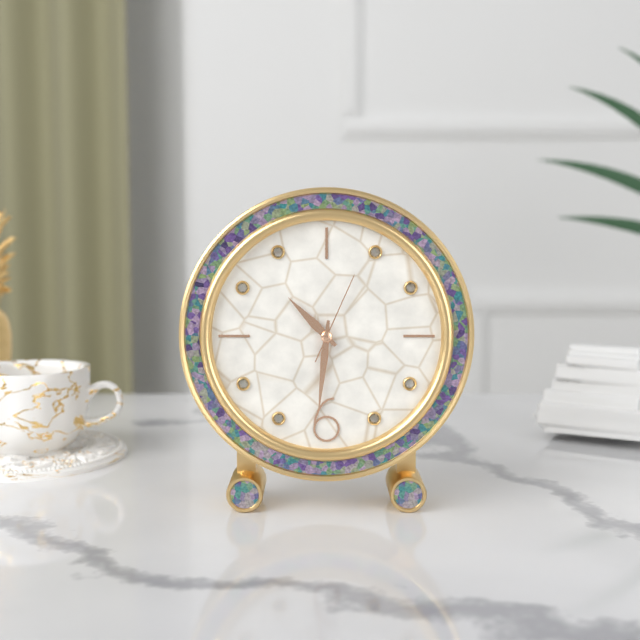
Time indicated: 10:31:04
